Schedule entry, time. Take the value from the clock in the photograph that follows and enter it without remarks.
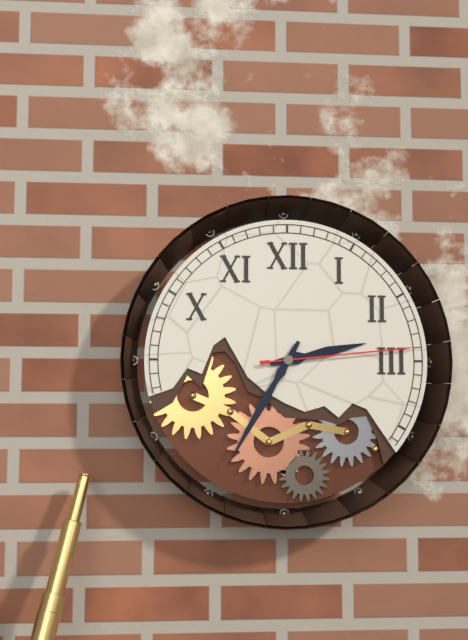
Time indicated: 2:35:14
